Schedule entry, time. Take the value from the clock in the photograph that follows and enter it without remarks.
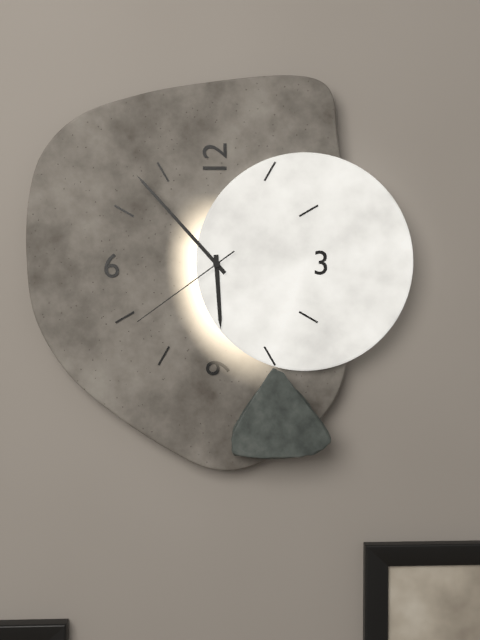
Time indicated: 5:53:39
